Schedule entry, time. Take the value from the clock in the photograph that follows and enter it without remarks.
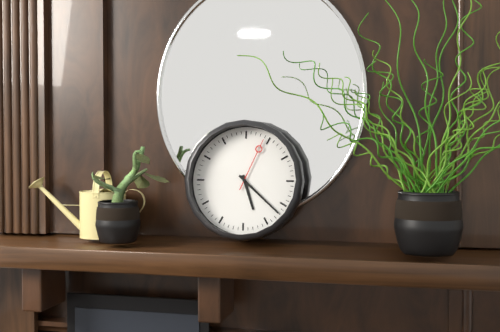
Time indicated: 5:22:04
